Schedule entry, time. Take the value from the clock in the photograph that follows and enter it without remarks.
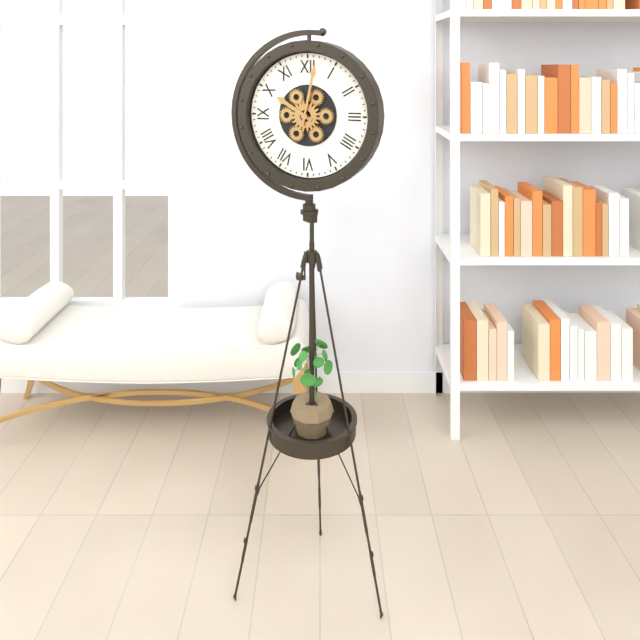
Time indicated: 10:02
